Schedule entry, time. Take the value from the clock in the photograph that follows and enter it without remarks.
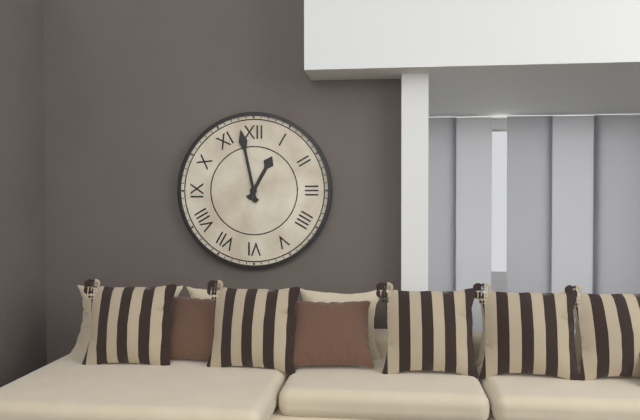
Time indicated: 12:58
